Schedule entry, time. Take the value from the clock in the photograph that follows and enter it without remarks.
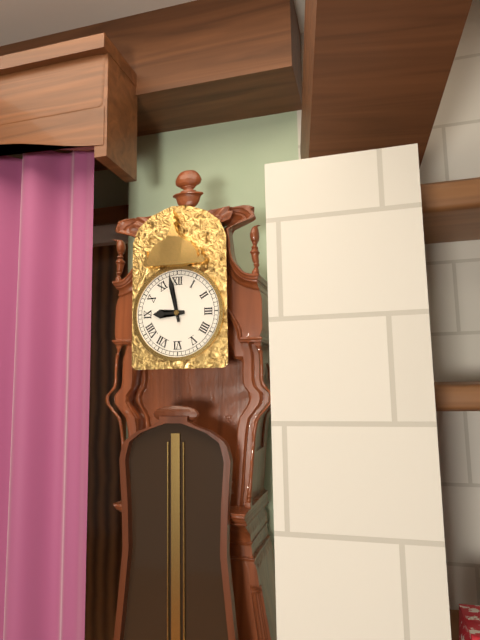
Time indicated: 8:58
